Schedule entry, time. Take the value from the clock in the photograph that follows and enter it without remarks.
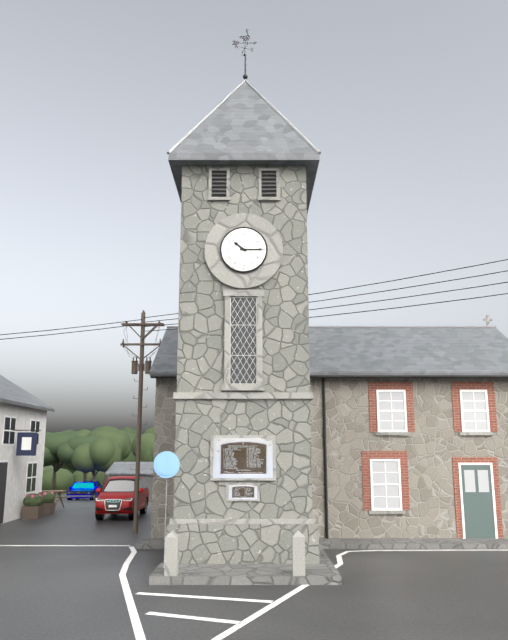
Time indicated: 10:15
